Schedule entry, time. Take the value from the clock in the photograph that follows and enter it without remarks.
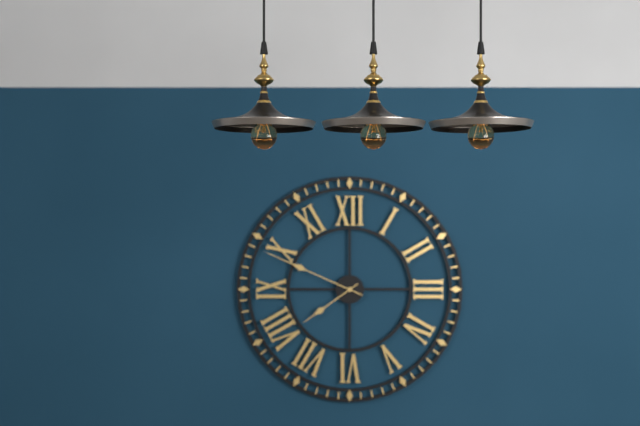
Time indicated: 7:49
